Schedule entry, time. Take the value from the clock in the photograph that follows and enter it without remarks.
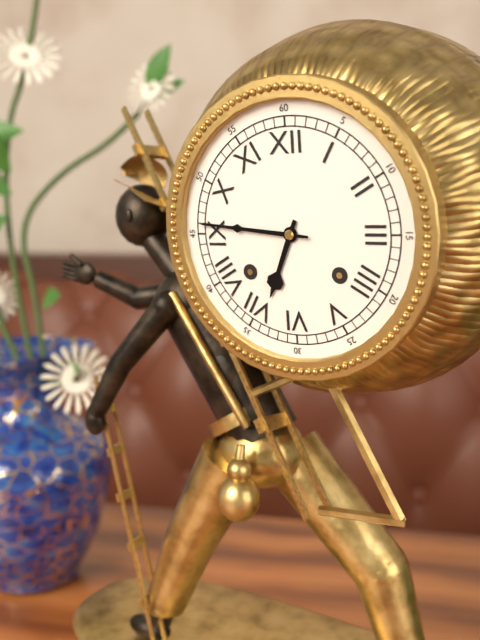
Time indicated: 6:46
